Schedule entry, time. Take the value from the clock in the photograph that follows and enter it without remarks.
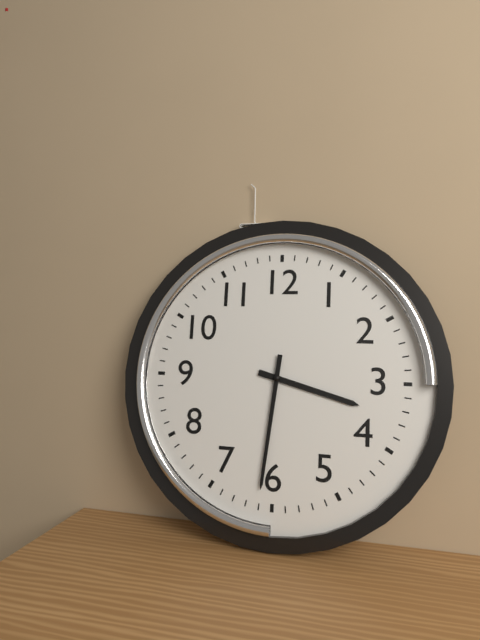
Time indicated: 3:31
